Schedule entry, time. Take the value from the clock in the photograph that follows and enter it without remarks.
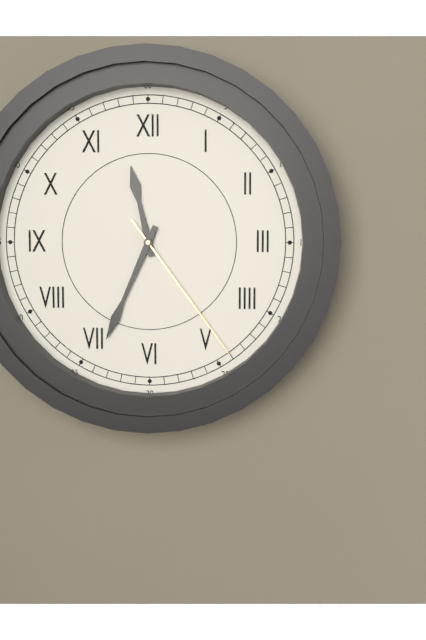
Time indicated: 11:34:24
